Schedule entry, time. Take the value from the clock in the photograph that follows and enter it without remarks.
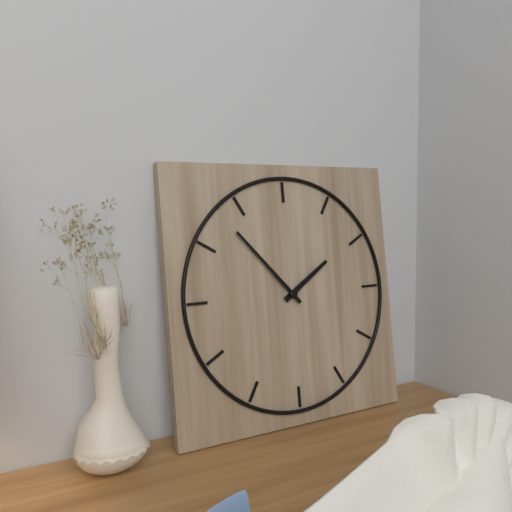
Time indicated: 1:53
